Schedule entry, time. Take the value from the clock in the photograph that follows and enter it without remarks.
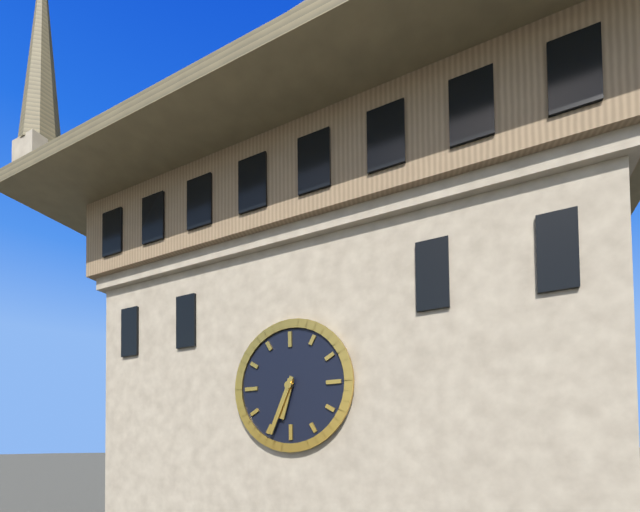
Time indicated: 6:34
